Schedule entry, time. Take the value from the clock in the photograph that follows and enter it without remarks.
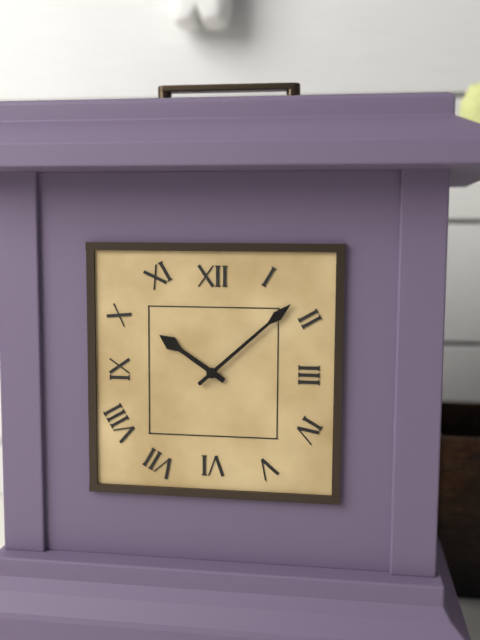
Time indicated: 10:08
